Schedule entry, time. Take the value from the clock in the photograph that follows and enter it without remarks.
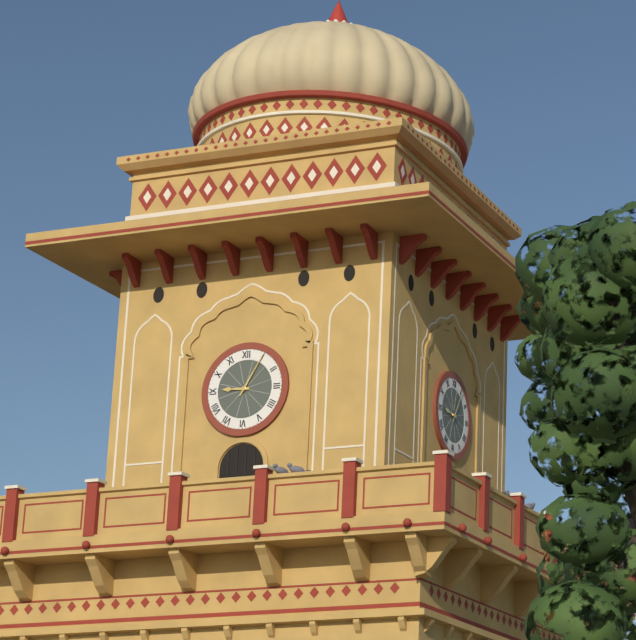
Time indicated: 9:05
